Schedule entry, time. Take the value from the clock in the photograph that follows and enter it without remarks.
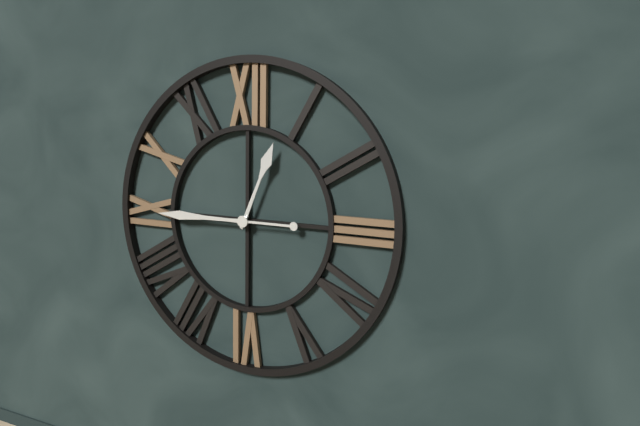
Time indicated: 12:45
